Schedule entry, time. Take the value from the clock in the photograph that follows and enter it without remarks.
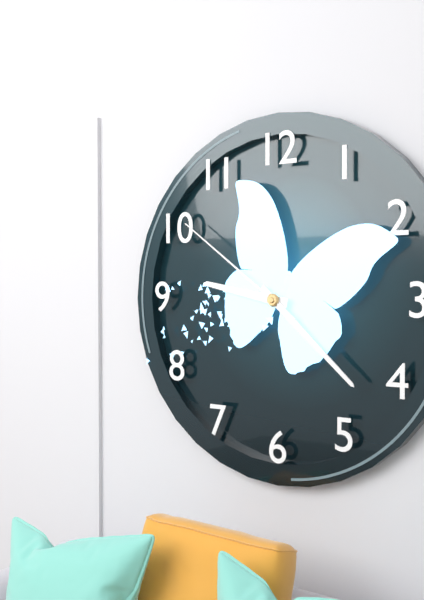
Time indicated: 9:22:51
